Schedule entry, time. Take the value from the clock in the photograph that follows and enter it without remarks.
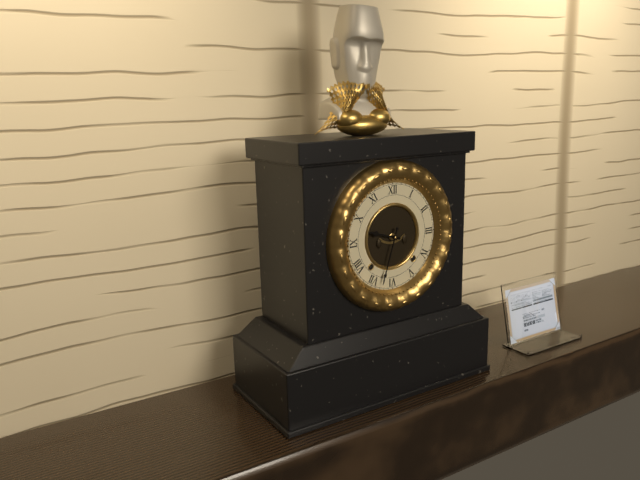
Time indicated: 9:33
